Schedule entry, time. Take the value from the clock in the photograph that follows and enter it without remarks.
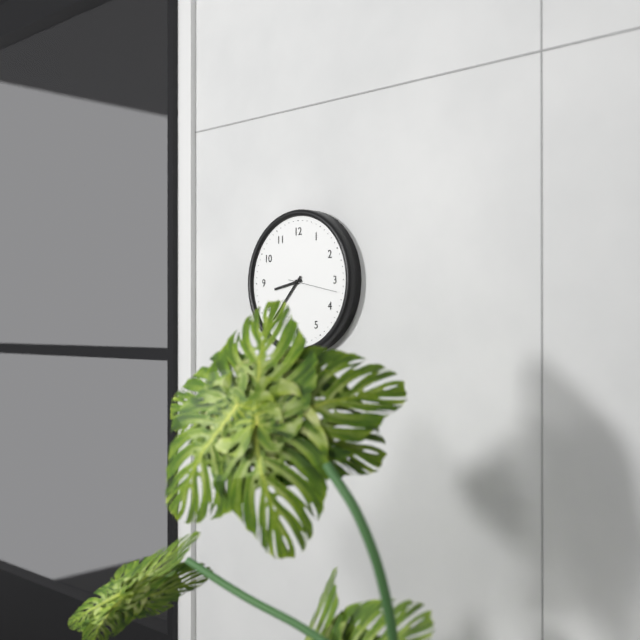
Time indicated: 8:37
